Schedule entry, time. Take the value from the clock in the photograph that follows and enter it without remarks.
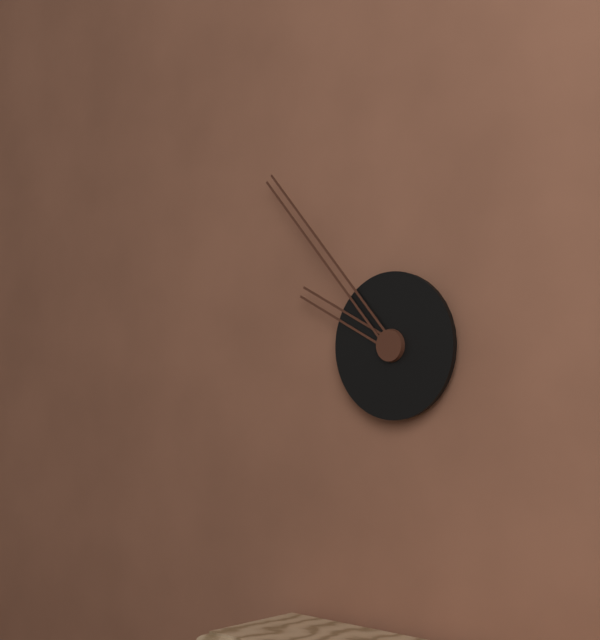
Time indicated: 9:53
